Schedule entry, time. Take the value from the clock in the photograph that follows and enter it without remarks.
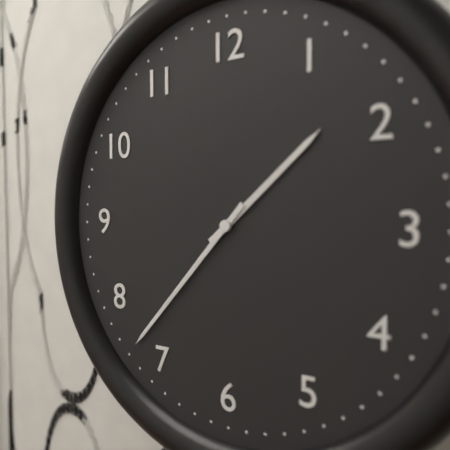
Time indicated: 1:37
